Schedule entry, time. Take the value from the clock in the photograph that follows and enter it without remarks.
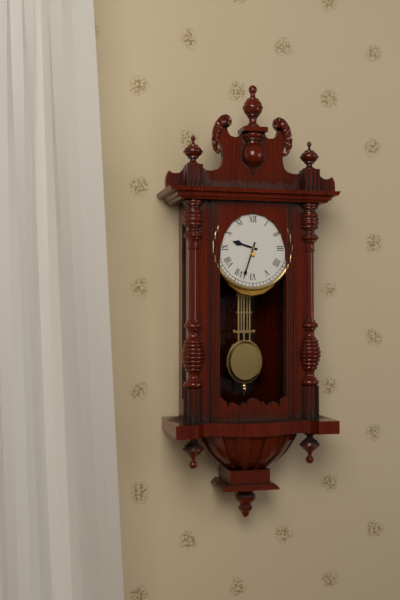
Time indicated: 9:33
